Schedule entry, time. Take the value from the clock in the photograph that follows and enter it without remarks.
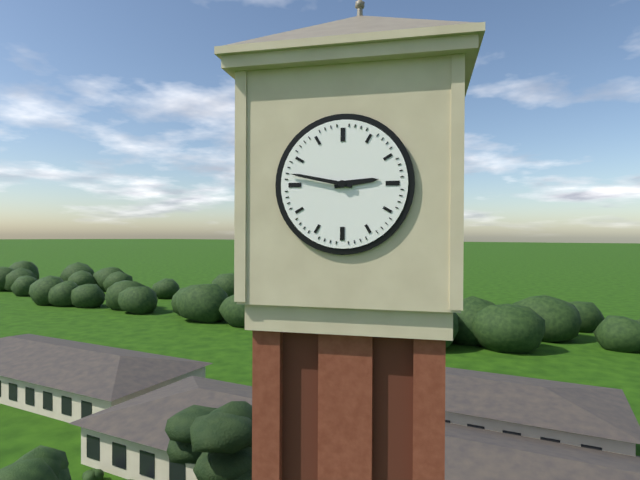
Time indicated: 2:47
